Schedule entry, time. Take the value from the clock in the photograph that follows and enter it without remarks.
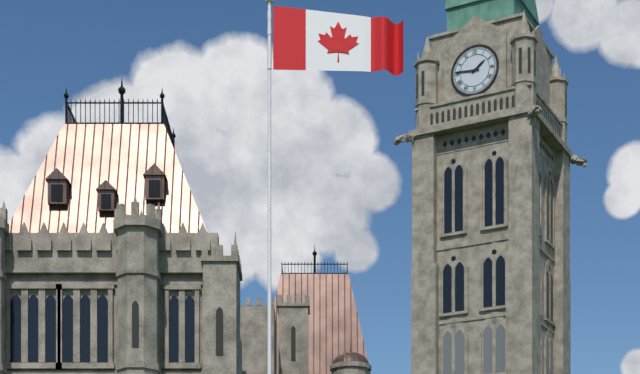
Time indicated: 1:46
